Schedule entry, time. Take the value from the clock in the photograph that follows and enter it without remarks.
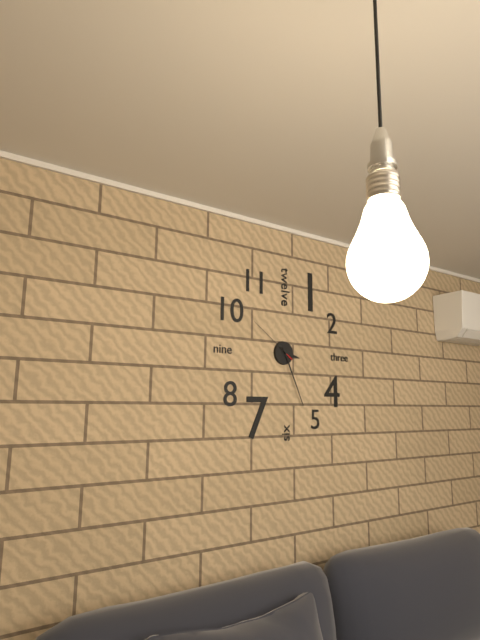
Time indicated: 3:26:51
